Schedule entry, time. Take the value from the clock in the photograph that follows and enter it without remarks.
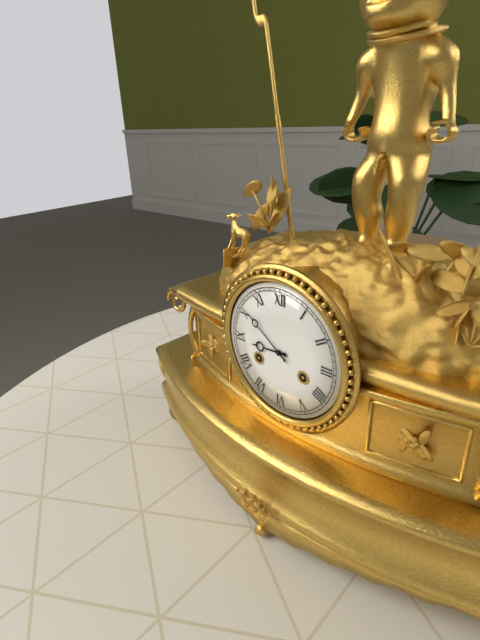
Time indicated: 8:51
